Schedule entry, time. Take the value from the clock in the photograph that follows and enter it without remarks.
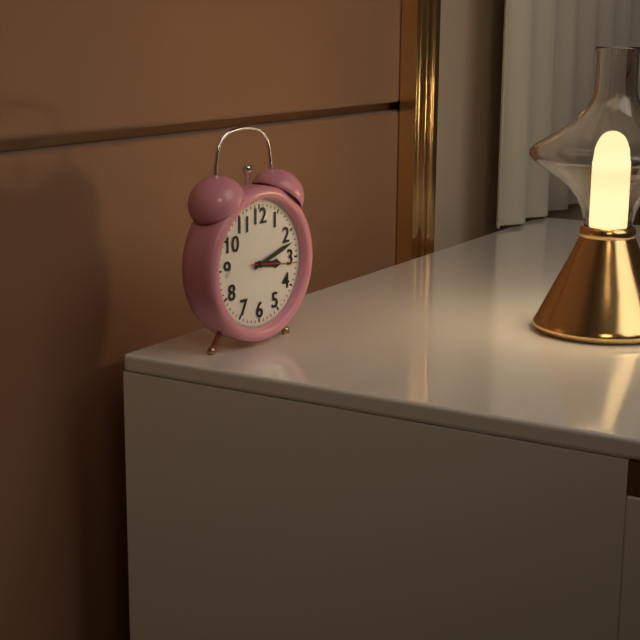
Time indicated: 3:12
